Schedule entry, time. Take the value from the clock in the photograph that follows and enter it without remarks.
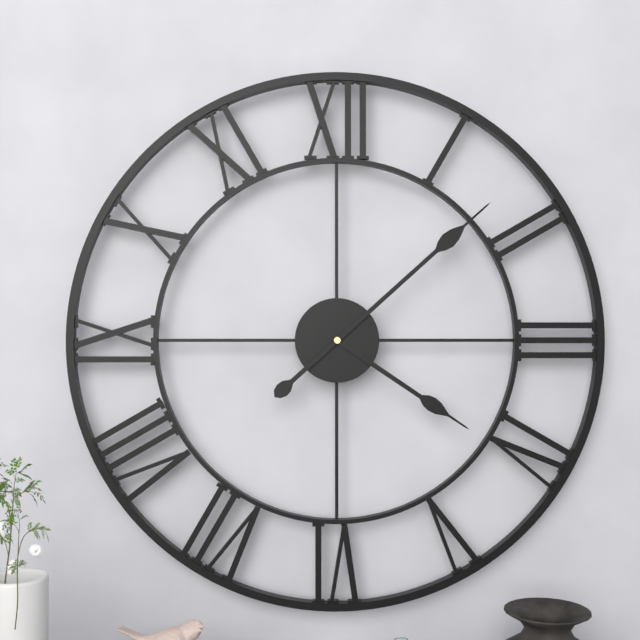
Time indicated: 4:08
